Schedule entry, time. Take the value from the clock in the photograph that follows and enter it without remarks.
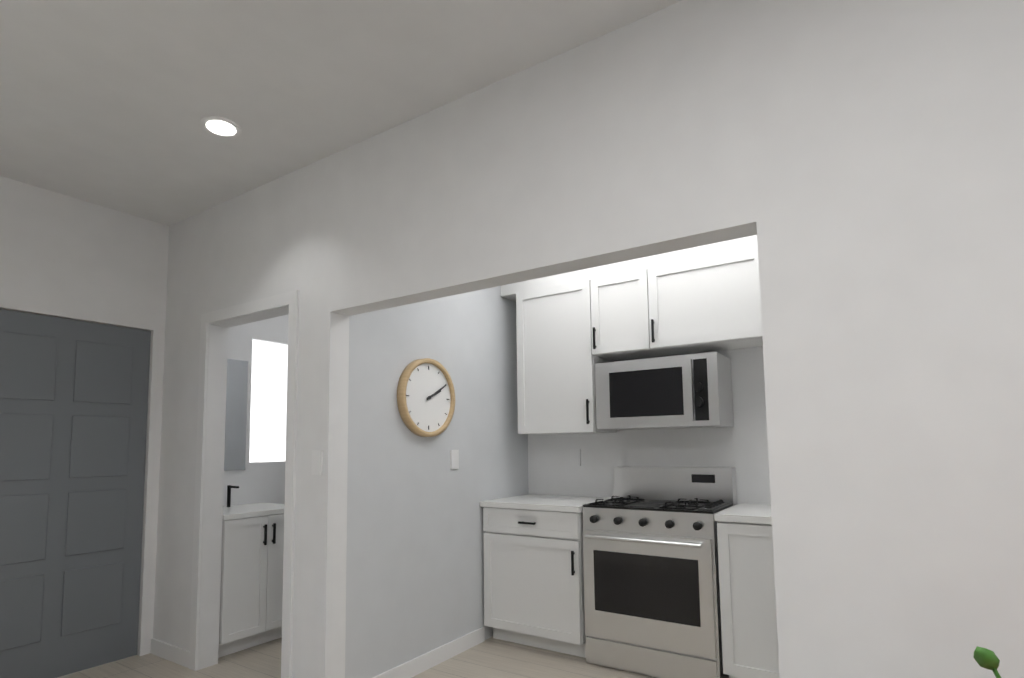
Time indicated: 2:10
